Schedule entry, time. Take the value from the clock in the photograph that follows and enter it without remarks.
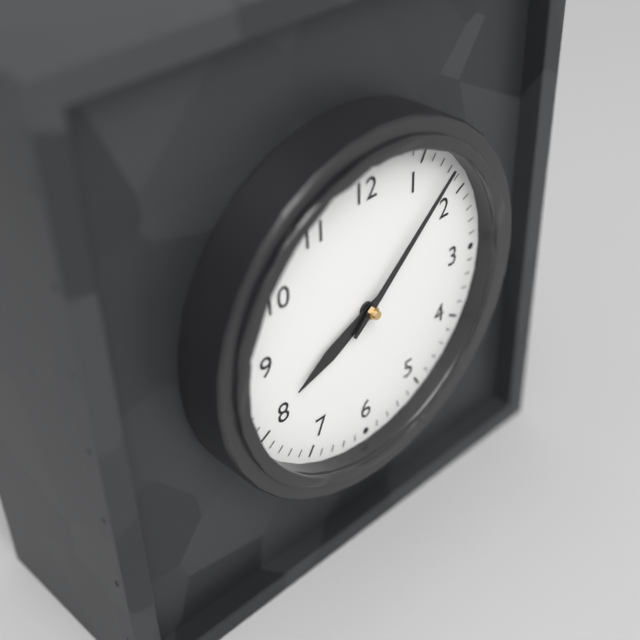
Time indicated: 8:08
